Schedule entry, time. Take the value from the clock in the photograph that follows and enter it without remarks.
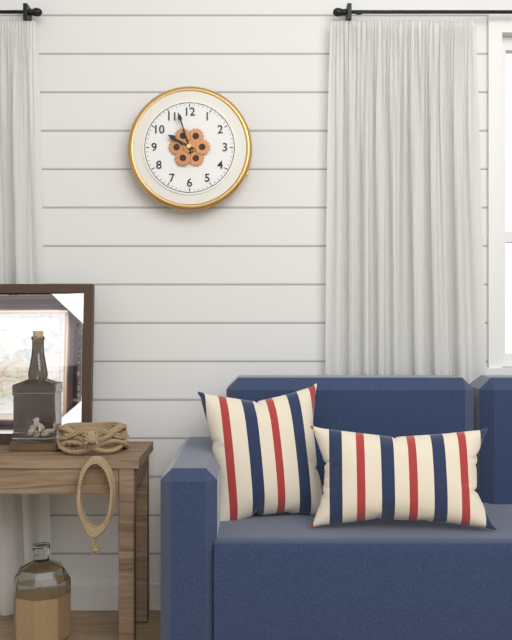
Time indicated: 9:57
